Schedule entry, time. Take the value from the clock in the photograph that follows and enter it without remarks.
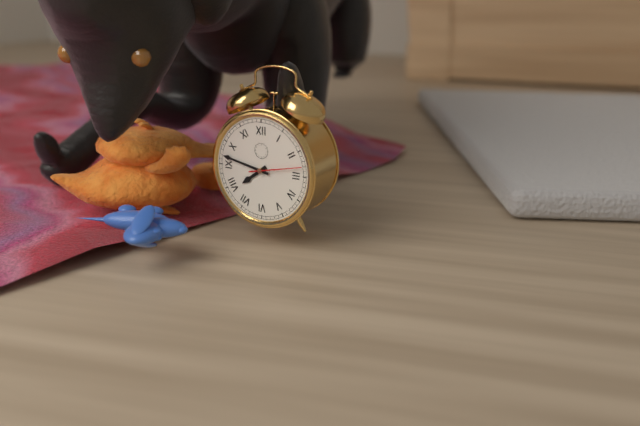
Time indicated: 7:47:13
